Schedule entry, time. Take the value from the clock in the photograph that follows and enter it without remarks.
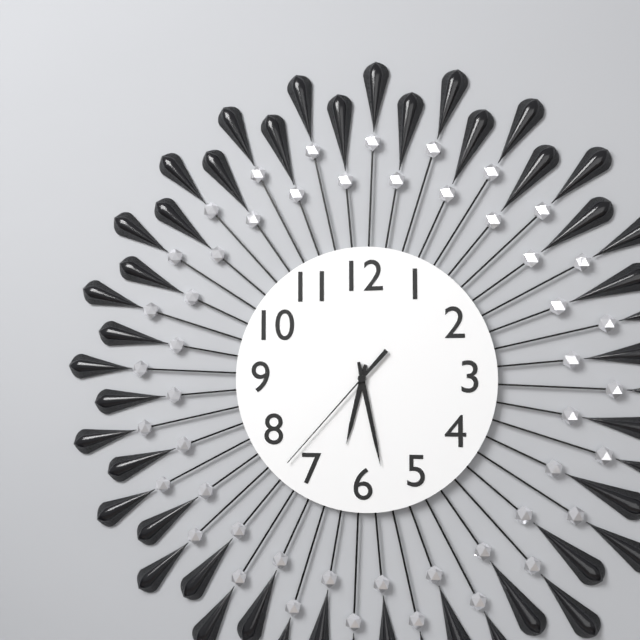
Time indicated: 6:28:37
